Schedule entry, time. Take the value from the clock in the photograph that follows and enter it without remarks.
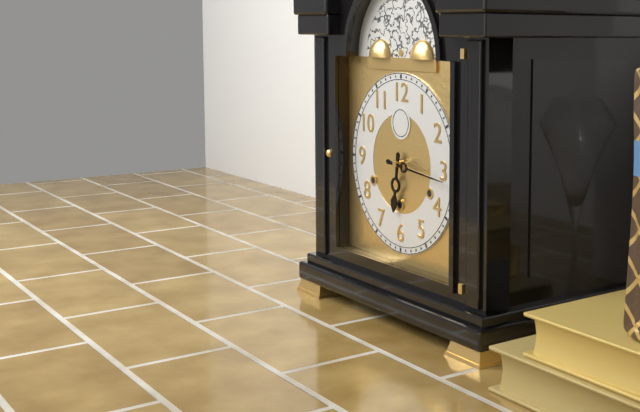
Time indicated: 6:16
